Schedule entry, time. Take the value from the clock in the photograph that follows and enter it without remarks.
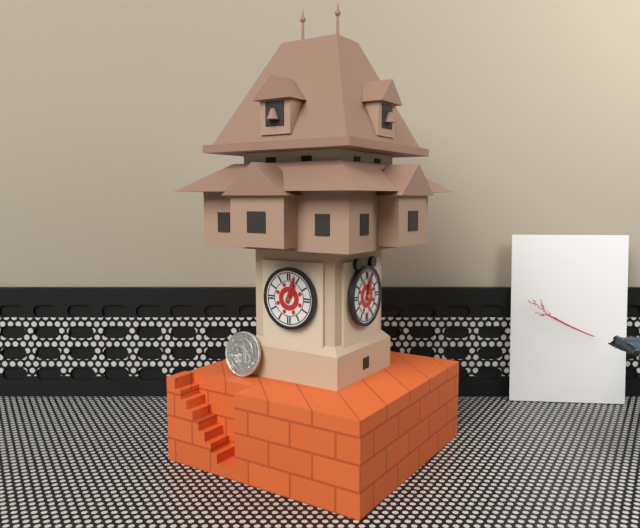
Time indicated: 1:03
